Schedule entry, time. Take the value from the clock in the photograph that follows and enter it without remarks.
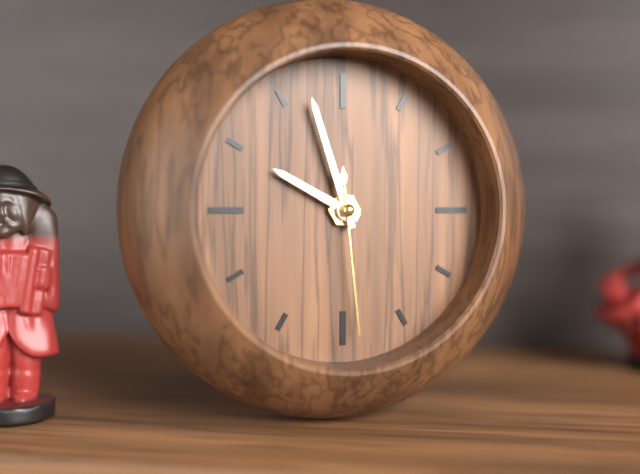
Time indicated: 9:57:29
